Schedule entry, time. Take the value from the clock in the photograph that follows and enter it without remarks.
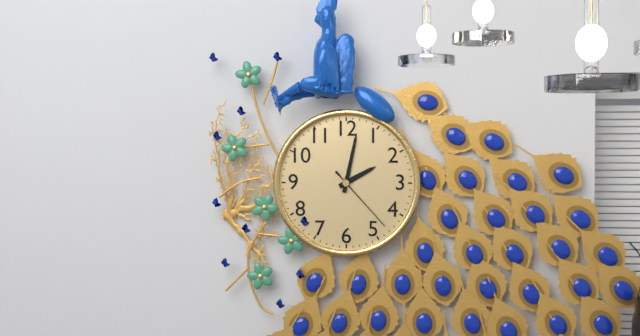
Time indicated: 2:02:23
